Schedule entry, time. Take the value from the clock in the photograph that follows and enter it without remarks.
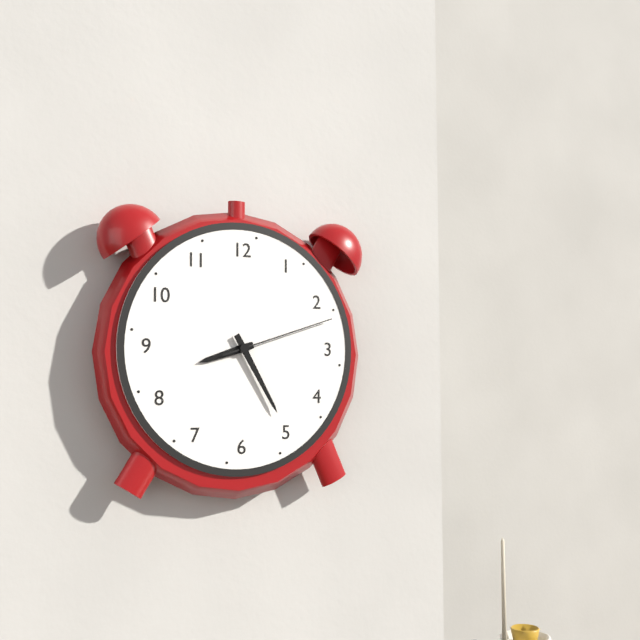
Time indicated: 8:25:12
